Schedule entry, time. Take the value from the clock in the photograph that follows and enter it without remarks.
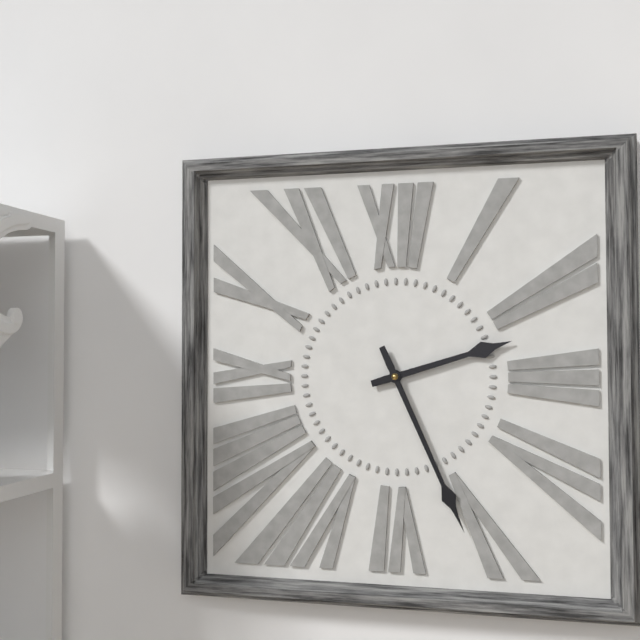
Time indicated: 2:26
